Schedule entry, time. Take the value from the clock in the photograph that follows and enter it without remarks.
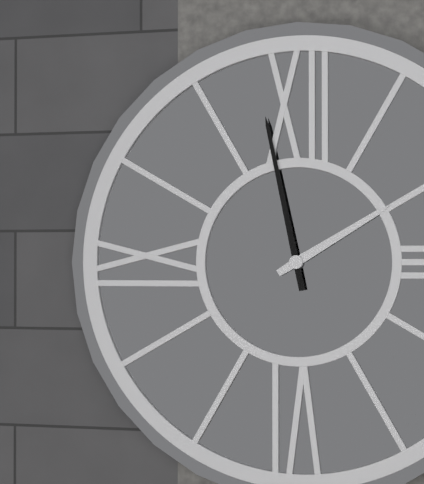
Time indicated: 1:58
